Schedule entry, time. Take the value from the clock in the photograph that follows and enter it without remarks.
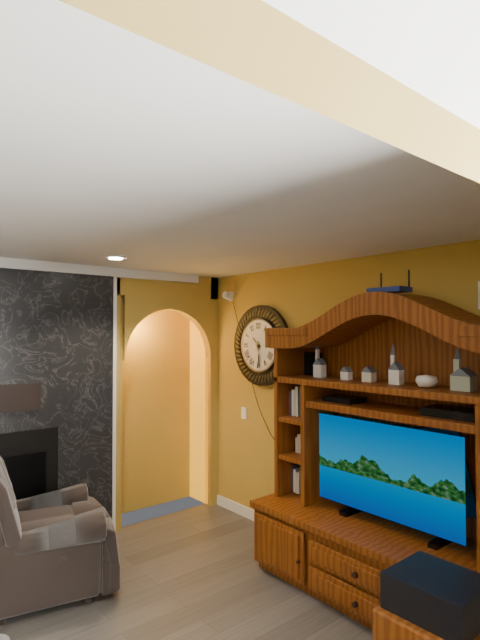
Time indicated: 10:29
